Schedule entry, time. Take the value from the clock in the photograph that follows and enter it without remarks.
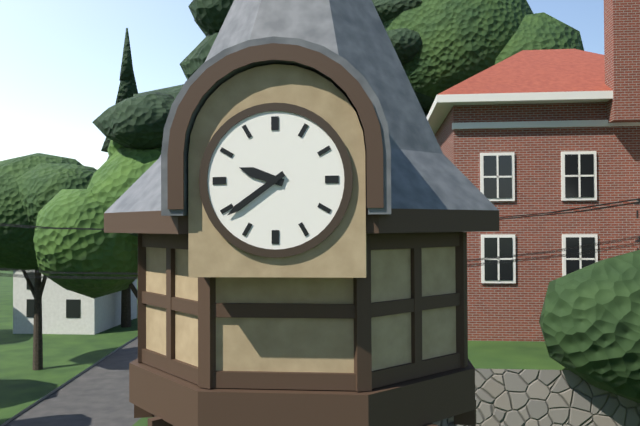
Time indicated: 9:39
